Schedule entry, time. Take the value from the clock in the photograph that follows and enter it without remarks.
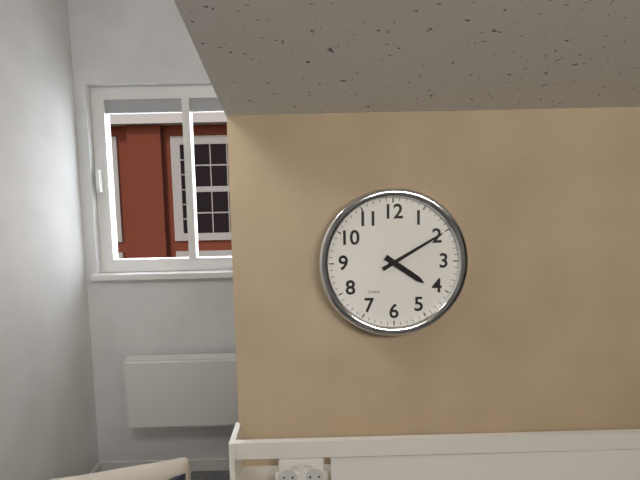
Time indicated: 4:10
